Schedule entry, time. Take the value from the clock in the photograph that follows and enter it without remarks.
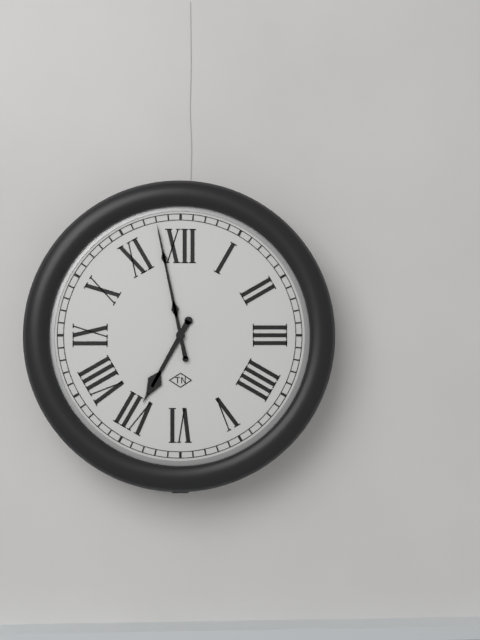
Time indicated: 6:58
